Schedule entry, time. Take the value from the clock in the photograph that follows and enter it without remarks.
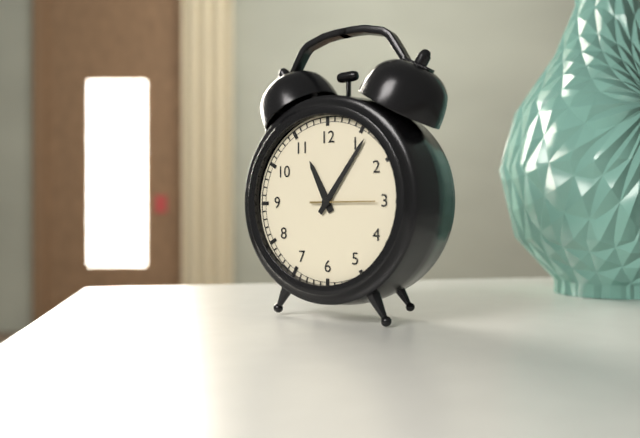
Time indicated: 11:06:15
